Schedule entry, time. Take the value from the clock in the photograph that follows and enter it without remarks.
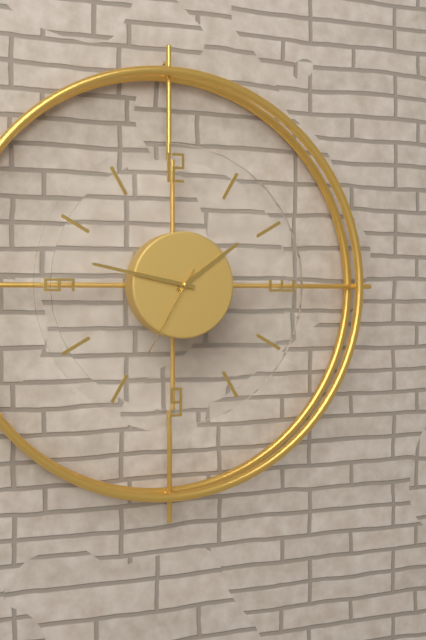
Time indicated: 1:47:35
